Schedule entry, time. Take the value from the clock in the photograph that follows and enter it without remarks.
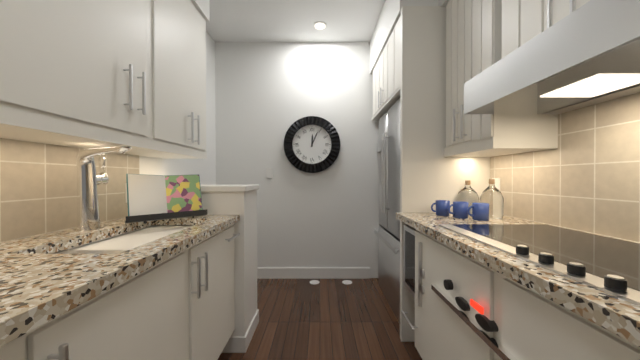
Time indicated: 12:04
